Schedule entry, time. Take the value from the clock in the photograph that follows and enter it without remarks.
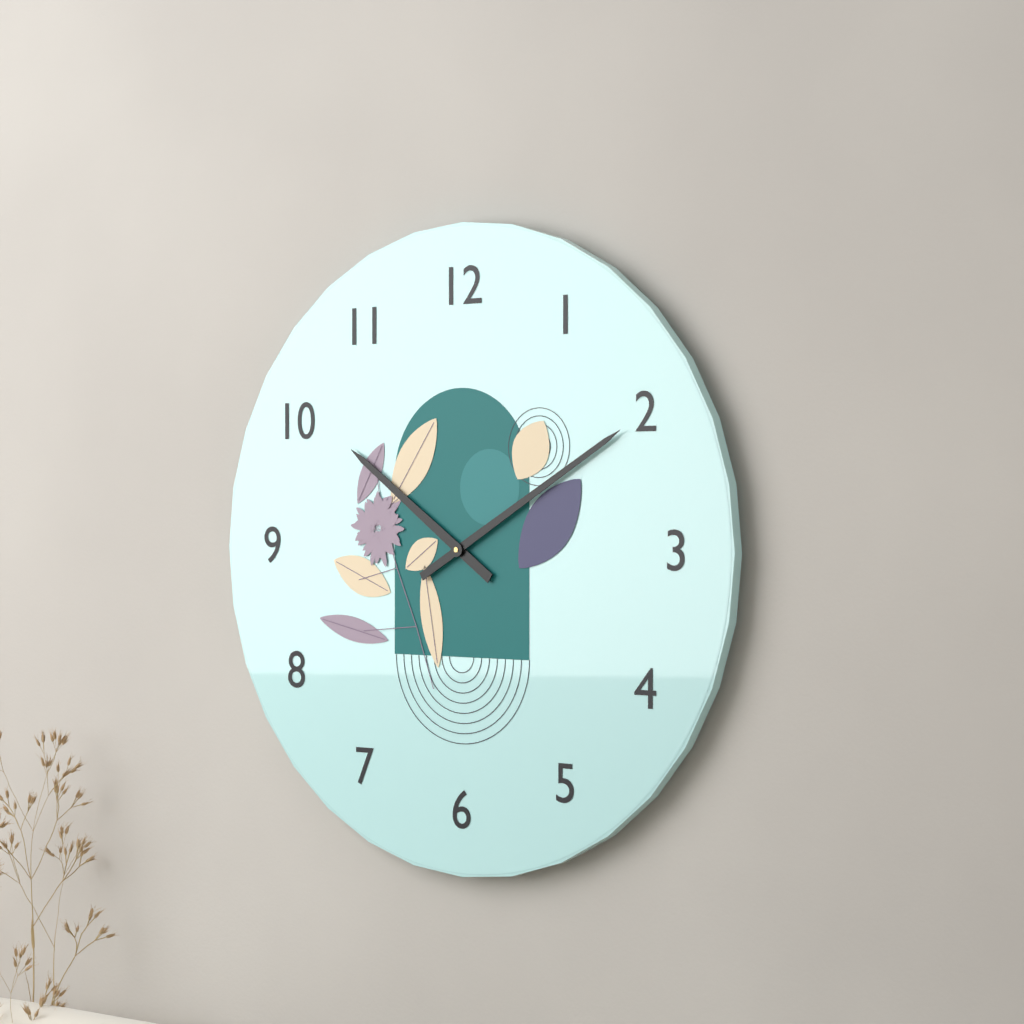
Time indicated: 10:10
